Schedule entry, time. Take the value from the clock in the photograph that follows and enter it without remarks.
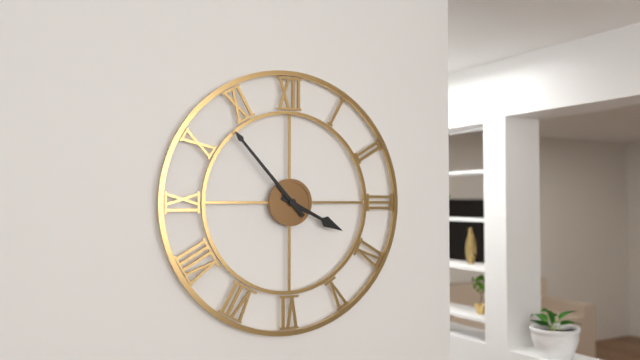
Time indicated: 3:53
